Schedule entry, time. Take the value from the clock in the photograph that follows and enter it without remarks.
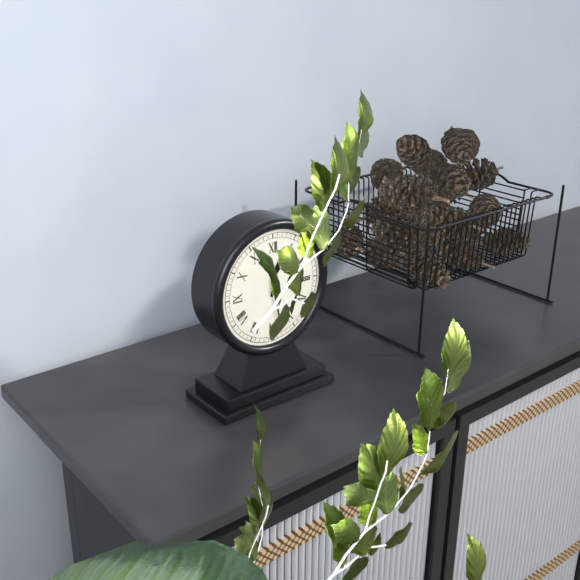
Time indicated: 12:28
